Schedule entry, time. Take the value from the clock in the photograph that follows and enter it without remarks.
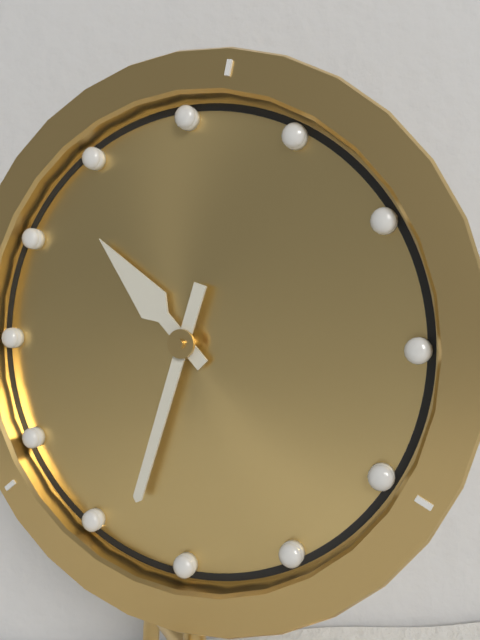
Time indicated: 10:33
